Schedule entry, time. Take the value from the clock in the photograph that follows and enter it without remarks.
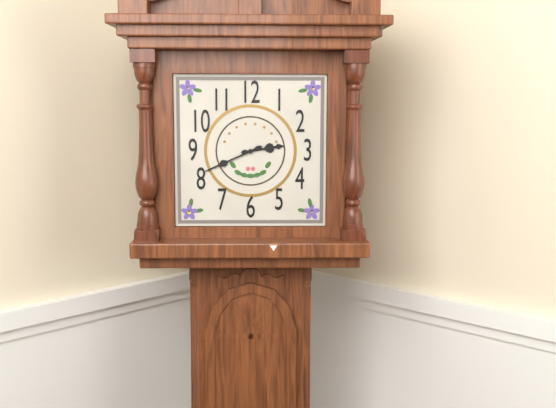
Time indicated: 2:41
